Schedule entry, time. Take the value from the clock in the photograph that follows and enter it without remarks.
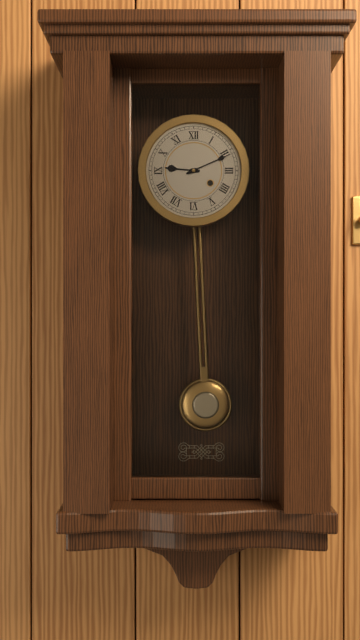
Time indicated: 9:11
